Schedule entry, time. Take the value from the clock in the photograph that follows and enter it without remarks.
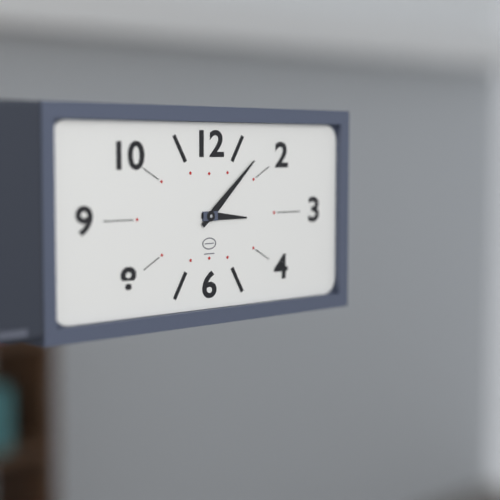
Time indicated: 3:08
